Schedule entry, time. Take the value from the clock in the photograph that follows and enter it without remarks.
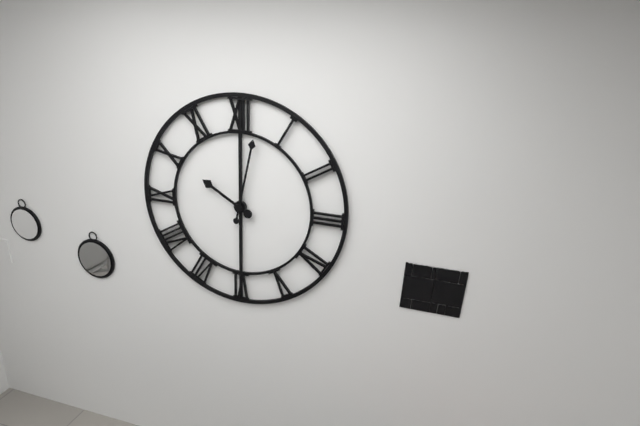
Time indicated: 10:02
